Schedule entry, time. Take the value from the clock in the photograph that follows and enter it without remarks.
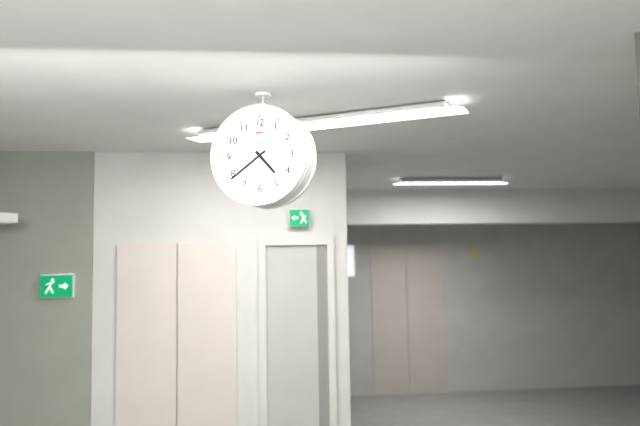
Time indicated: 4:39
